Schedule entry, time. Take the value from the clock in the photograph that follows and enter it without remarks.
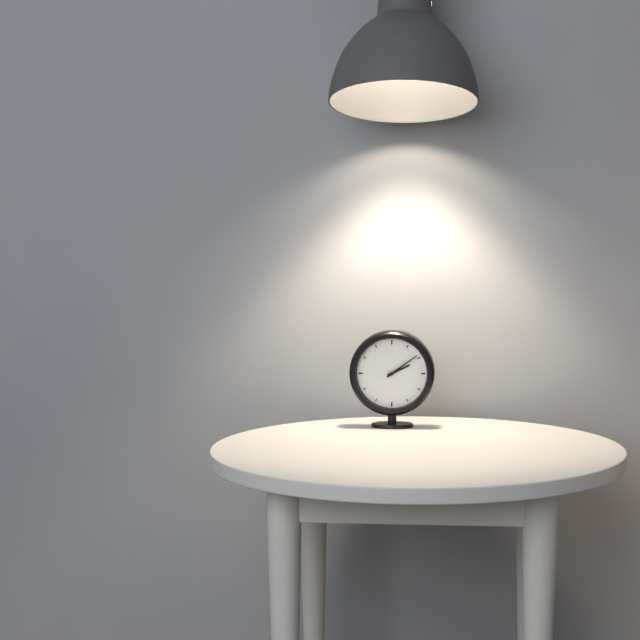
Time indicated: 2:09
